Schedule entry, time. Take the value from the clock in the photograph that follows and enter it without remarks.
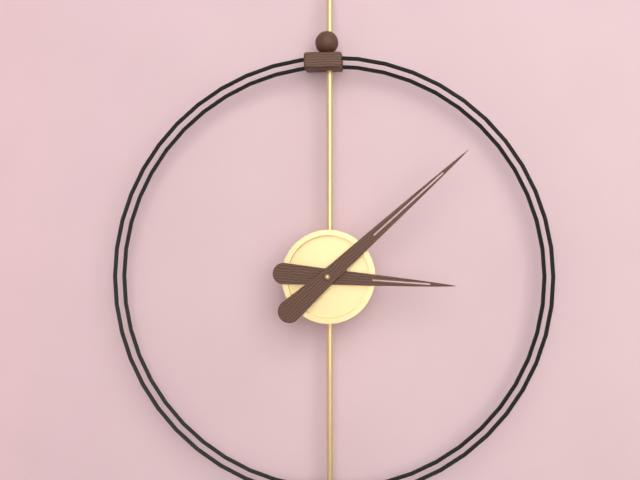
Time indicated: 3:08
